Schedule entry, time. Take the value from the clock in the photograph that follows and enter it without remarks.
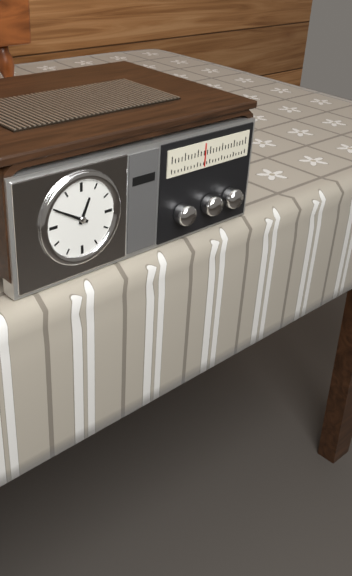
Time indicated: 12:50
